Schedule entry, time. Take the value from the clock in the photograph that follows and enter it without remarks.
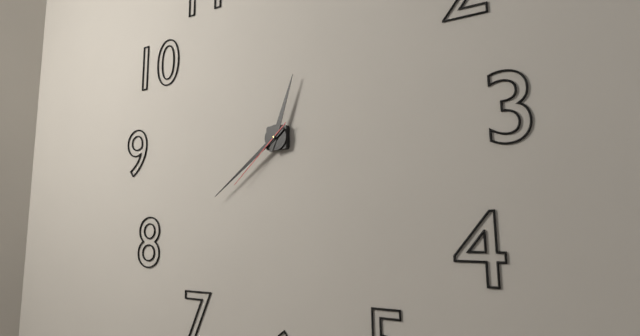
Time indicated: 12:39:38
